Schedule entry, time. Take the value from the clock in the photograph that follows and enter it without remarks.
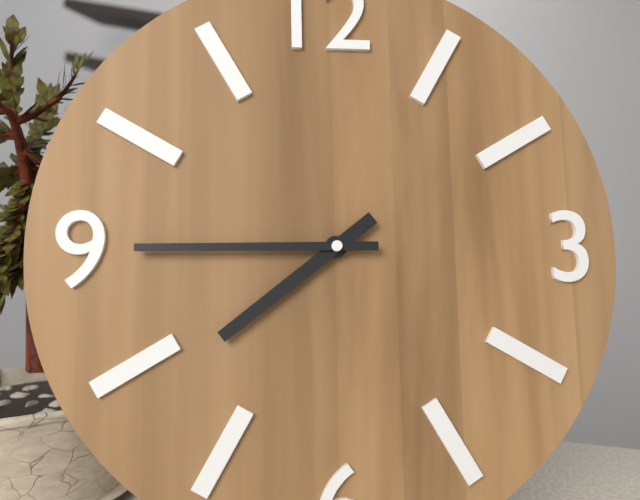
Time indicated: 7:45
